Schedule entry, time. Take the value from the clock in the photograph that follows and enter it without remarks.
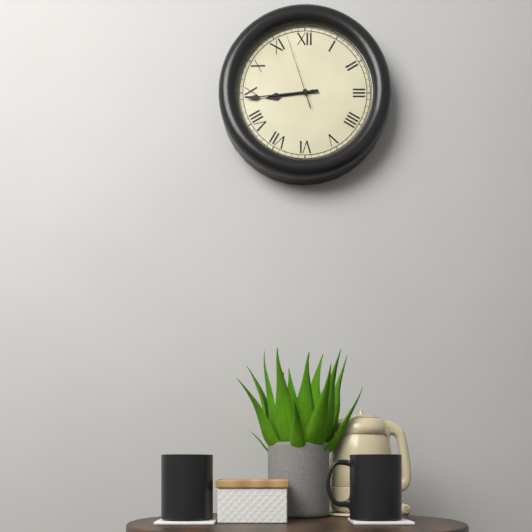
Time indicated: 8:44:57
